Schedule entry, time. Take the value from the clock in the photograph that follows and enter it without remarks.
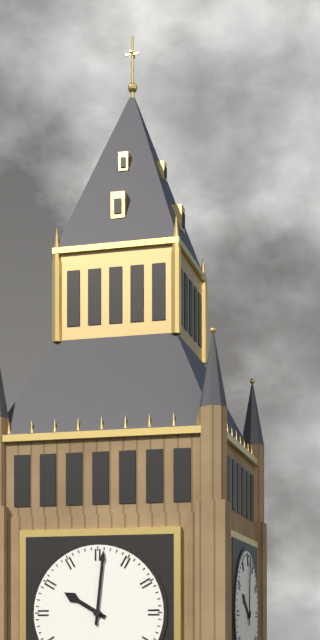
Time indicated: 10:01
